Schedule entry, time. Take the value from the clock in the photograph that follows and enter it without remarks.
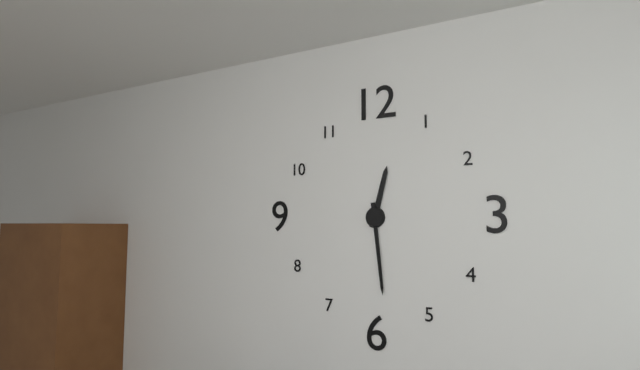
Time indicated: 12:29
